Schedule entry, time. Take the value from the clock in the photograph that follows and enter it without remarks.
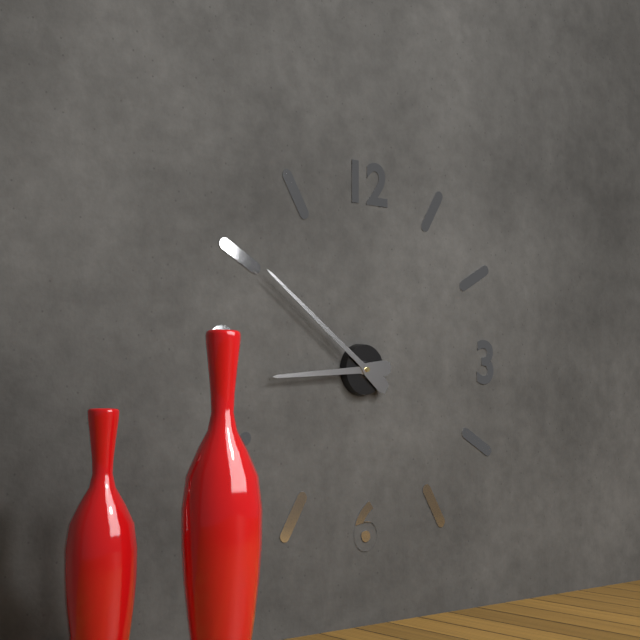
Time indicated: 8:51
